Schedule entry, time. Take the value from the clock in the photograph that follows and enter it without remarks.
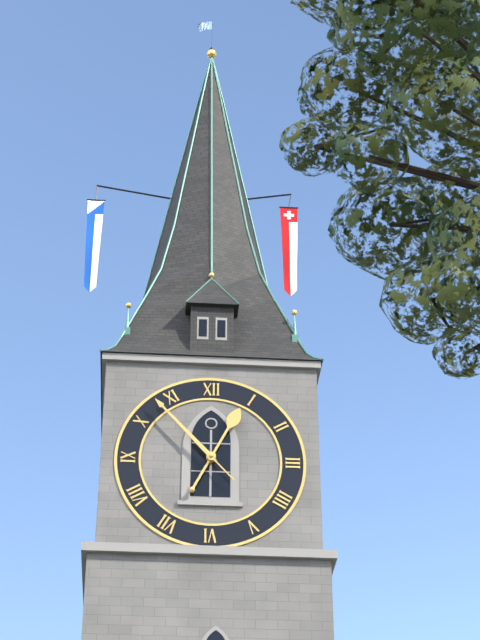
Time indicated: 12:53
